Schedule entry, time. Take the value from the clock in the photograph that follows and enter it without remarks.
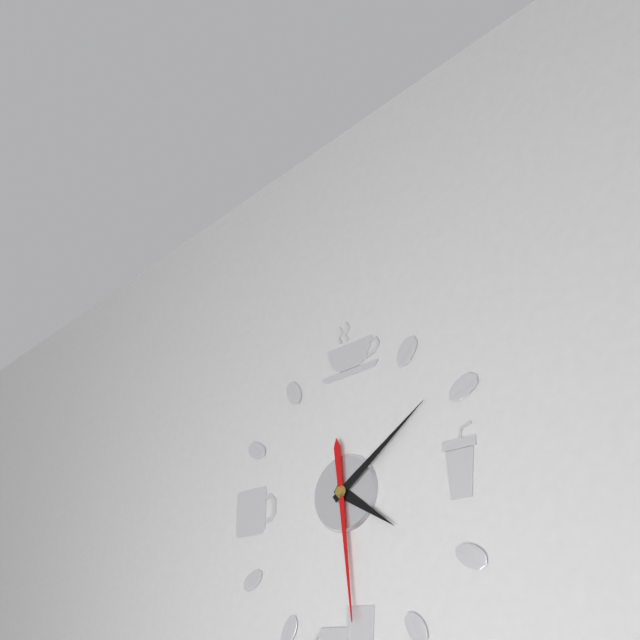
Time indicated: 4:09:29
